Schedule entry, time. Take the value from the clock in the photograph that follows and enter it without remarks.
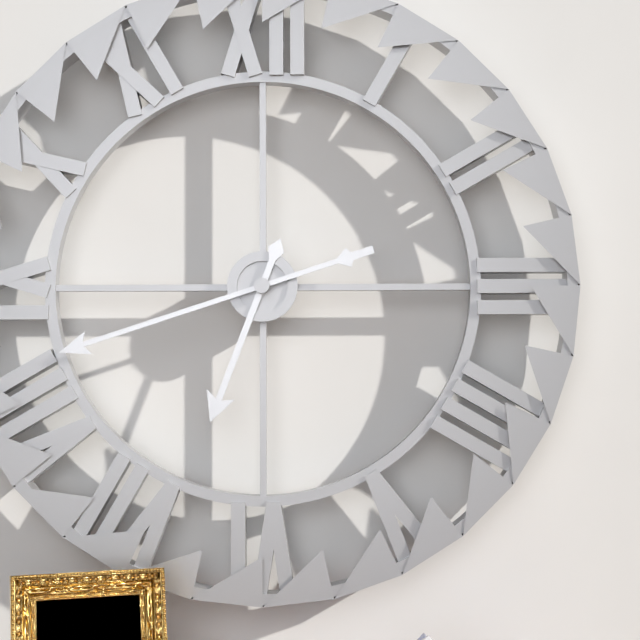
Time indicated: 6:42
